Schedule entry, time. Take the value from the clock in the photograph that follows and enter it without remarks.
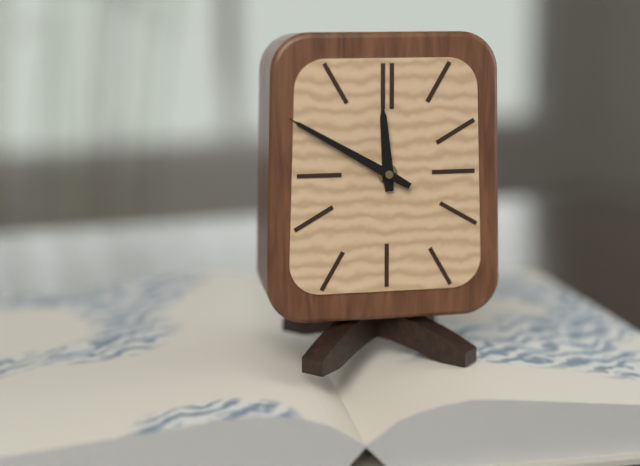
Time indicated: 11:50
